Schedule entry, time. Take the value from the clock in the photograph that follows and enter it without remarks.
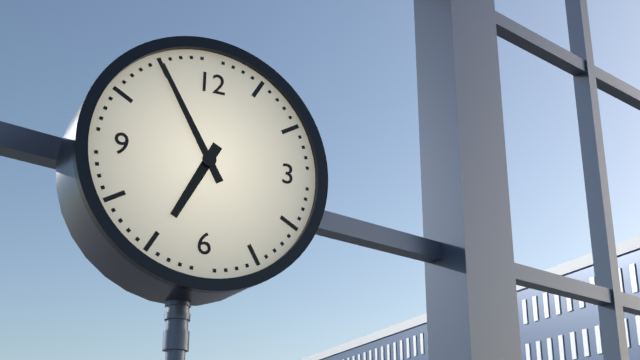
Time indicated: 6:55
